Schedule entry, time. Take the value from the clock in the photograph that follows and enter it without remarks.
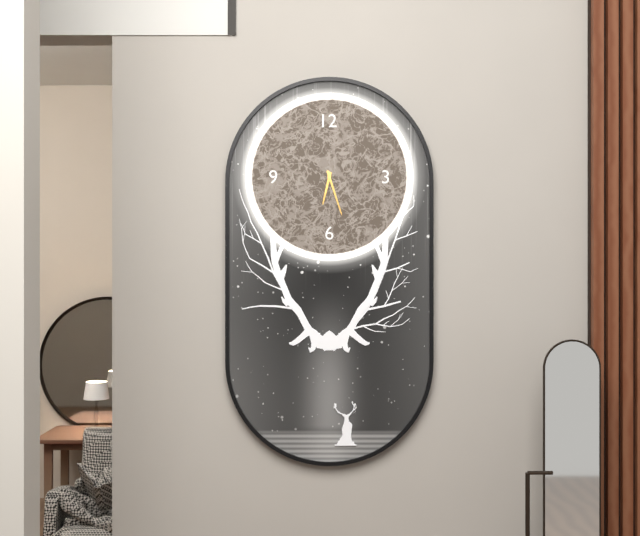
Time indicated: 6:27
